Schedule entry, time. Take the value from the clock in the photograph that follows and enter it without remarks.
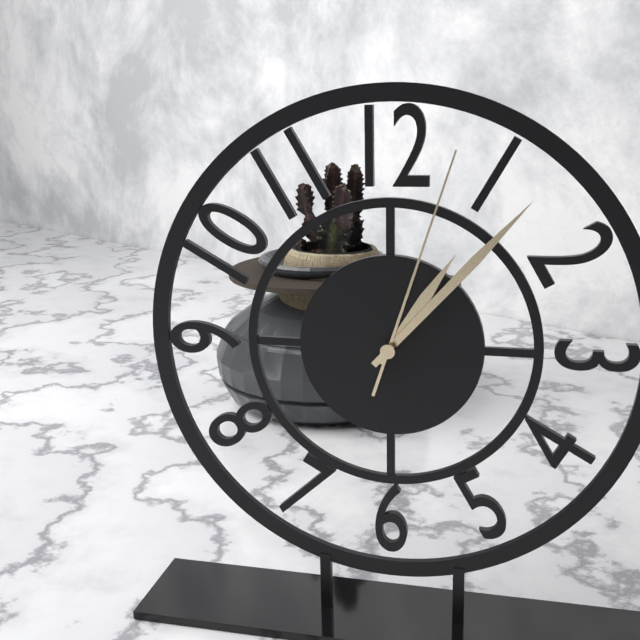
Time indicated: 1:07:03
